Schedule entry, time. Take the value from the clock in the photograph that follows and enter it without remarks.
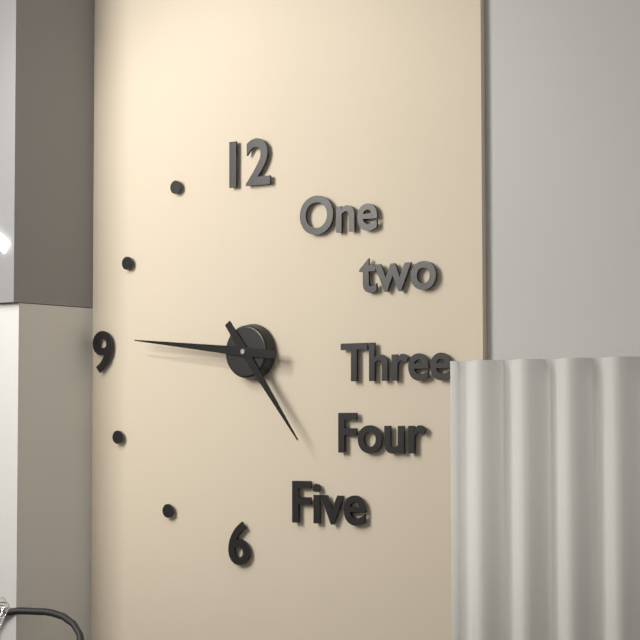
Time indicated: 4:46
